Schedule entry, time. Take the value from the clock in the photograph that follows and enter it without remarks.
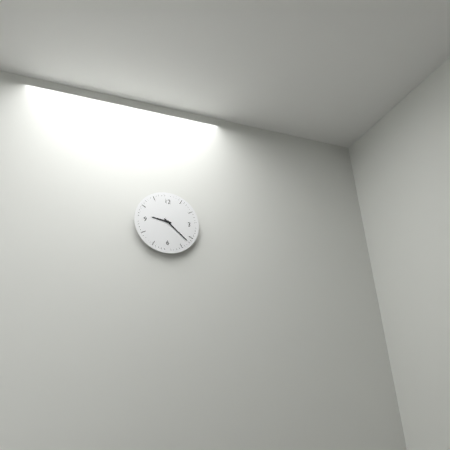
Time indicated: 9:22
